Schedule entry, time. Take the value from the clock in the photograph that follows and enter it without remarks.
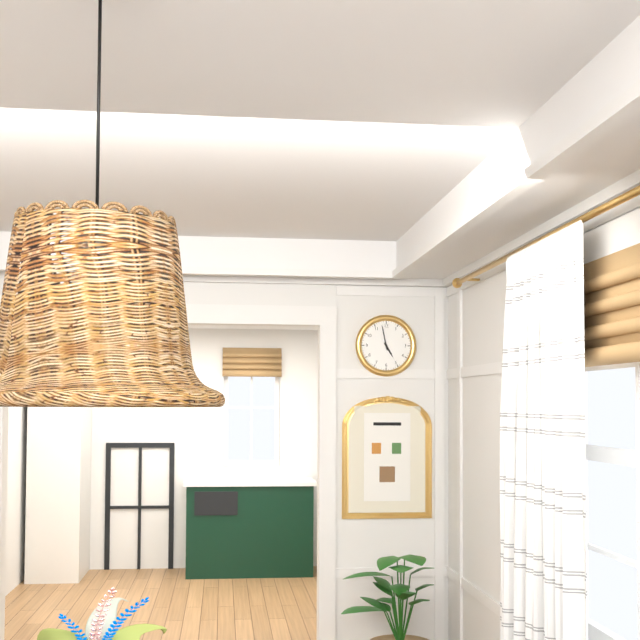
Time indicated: 4:58
